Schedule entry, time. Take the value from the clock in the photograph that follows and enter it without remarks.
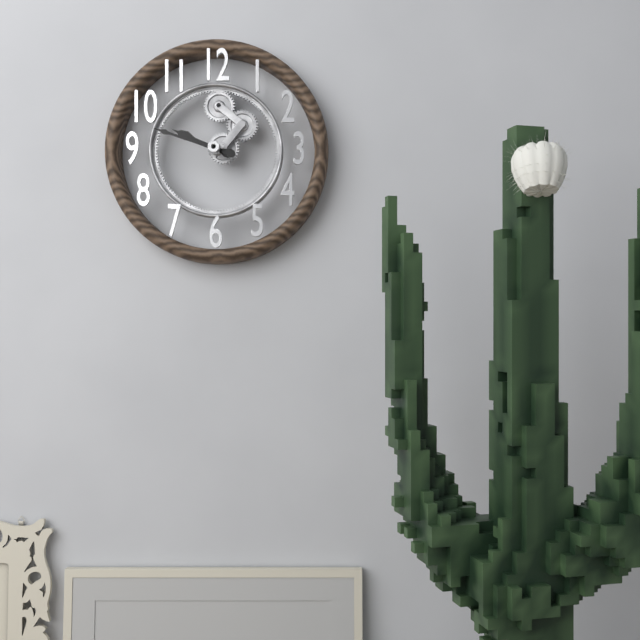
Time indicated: 9:48
